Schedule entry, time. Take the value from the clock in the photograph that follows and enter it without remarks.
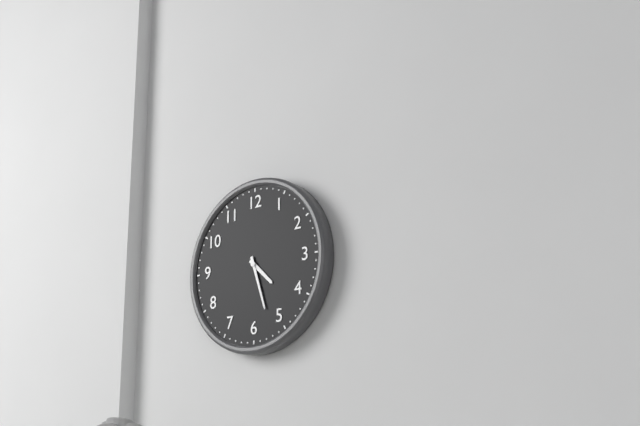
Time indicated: 4:27
